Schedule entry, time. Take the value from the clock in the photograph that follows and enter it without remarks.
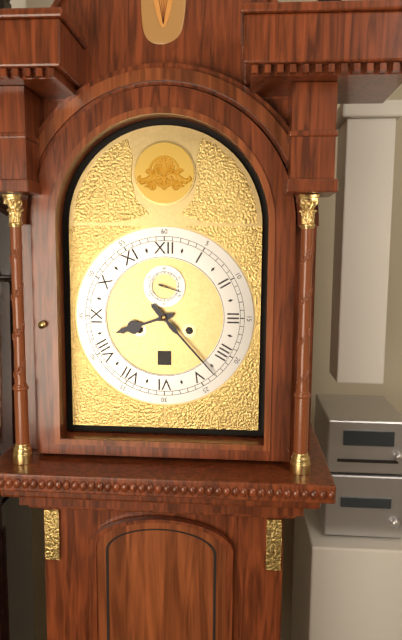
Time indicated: 8:23
